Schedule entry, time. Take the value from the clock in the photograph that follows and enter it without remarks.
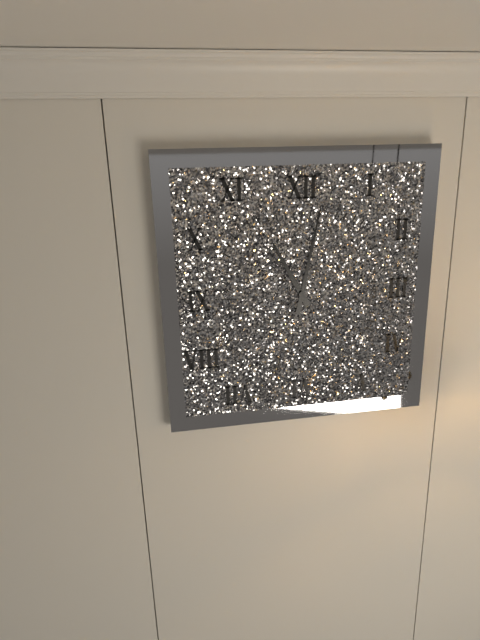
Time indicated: 11:02
